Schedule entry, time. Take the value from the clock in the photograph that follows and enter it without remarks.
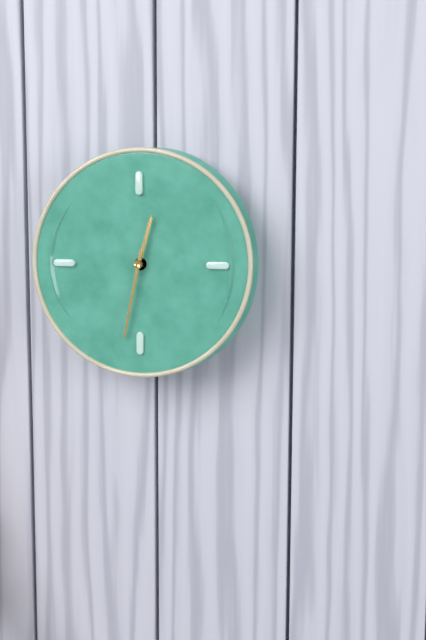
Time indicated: 12:32
